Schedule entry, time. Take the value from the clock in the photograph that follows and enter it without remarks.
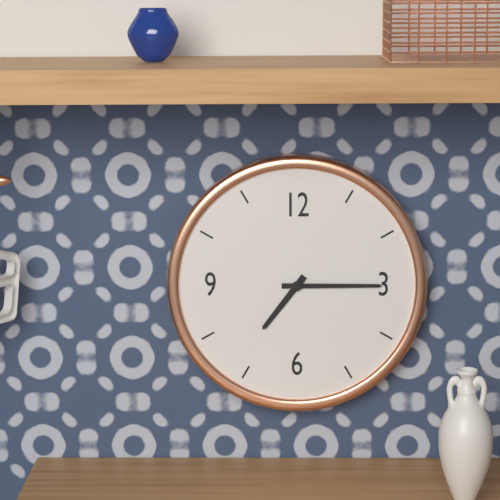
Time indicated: 7:15
